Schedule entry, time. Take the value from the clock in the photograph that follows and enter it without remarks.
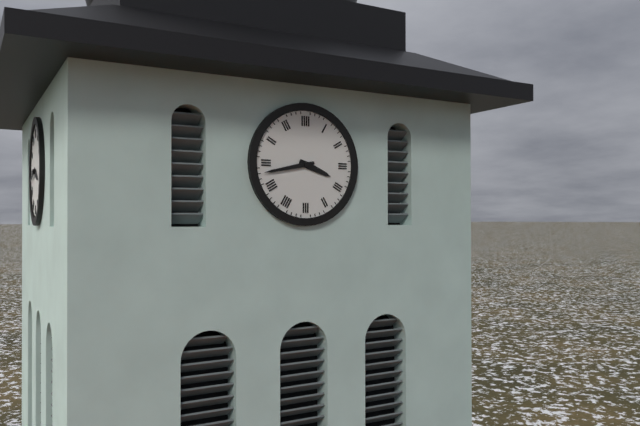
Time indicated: 3:43
